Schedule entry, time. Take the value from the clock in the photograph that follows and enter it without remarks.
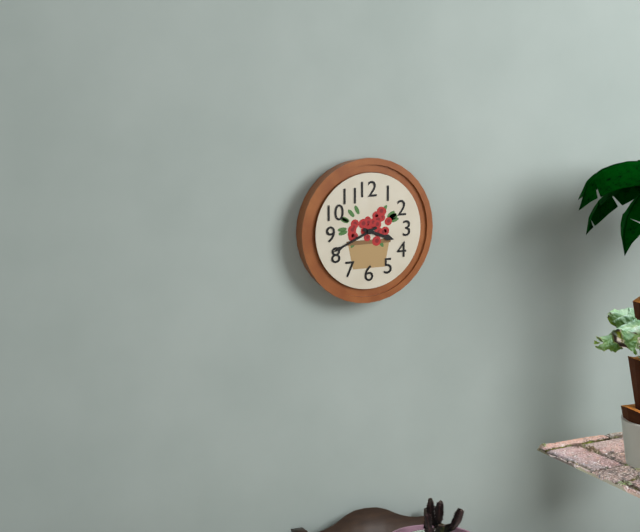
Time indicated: 3:41
